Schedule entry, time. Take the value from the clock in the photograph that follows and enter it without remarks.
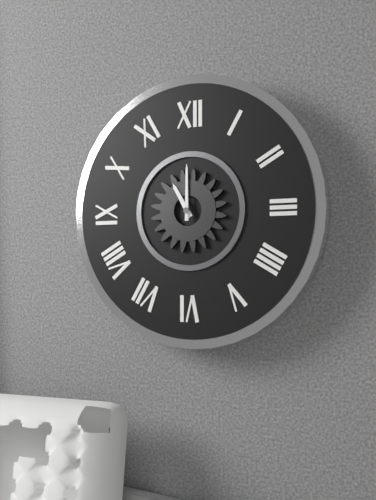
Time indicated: 11:00
